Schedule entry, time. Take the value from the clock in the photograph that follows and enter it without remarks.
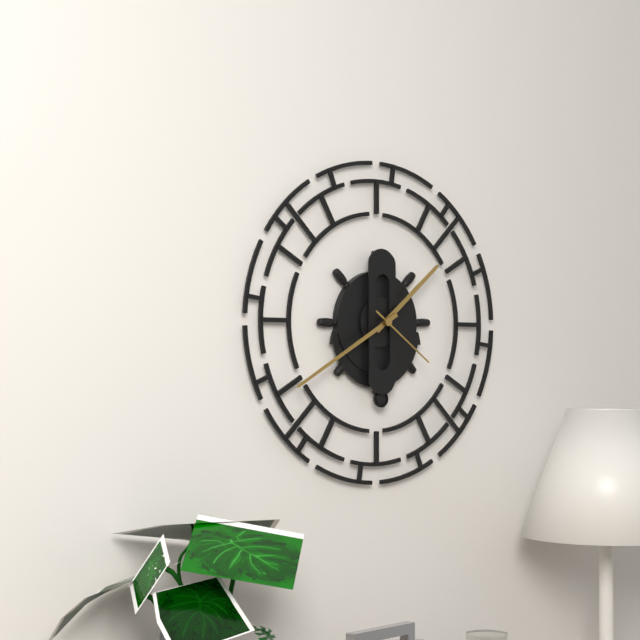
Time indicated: 1:40:21
